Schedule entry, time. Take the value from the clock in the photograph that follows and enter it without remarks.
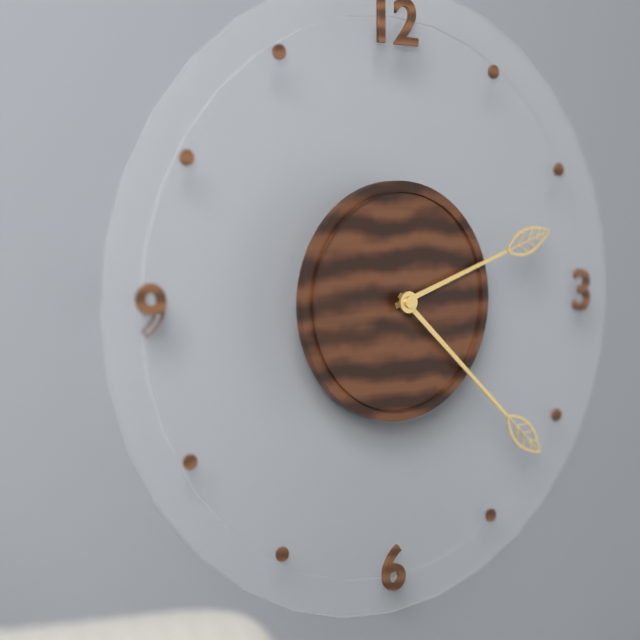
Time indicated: 2:22
